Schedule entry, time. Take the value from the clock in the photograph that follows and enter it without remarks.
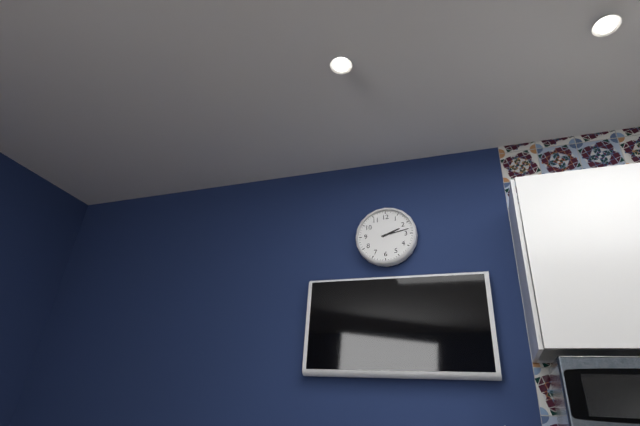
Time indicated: 2:13
